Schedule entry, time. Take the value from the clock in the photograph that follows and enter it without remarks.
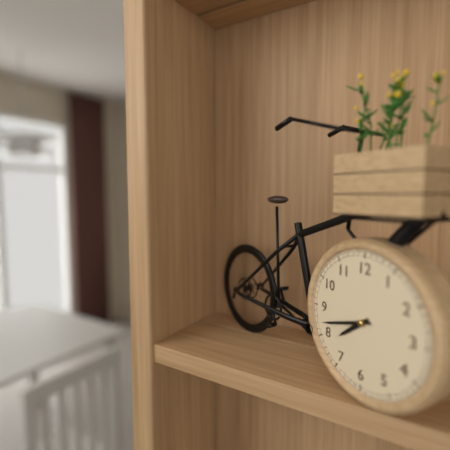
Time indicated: 7:42
